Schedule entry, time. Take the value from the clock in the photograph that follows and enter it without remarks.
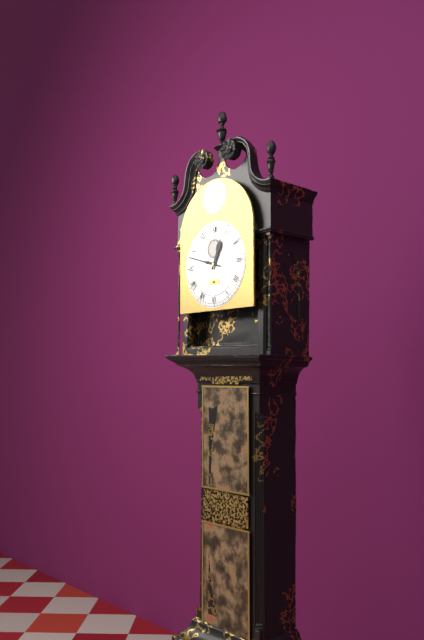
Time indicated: 12:48
